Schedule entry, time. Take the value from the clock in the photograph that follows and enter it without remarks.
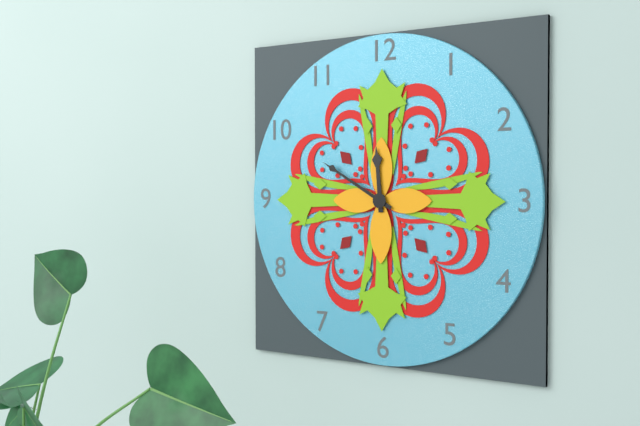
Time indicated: 11:50
